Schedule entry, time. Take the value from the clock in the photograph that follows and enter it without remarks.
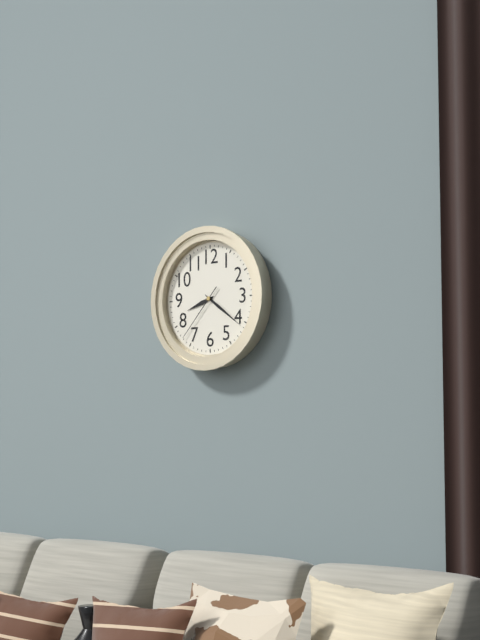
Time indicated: 8:21:37
